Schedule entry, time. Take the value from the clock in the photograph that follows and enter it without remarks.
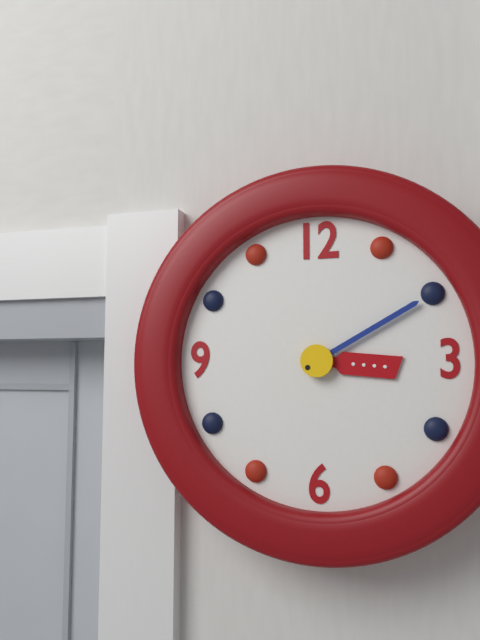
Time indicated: 3:10
